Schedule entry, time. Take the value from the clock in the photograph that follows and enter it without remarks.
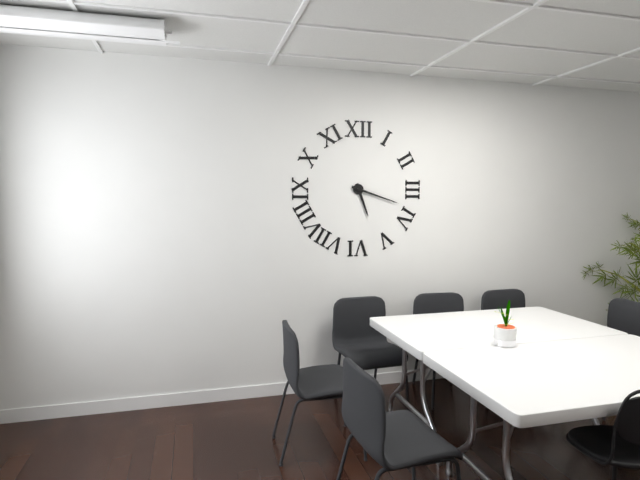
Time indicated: 5:18
